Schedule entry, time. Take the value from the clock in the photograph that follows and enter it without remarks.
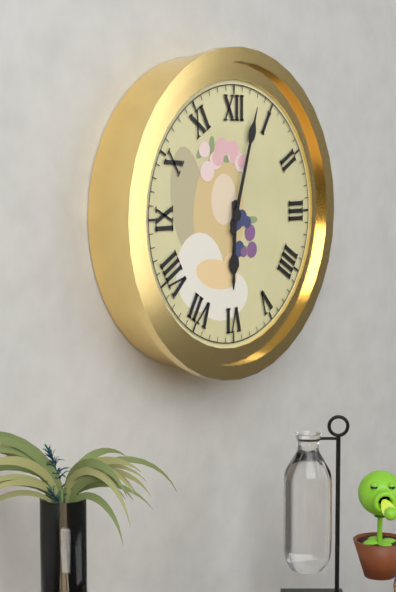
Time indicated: 6:03
